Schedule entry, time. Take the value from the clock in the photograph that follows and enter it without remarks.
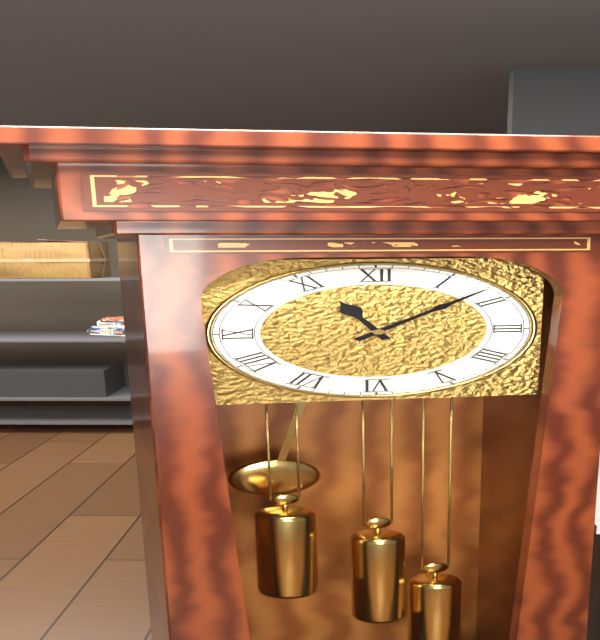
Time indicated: 11:08
